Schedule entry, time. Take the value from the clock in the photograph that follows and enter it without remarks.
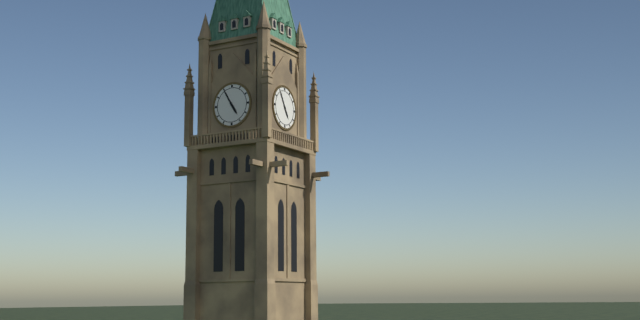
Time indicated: 4:55
